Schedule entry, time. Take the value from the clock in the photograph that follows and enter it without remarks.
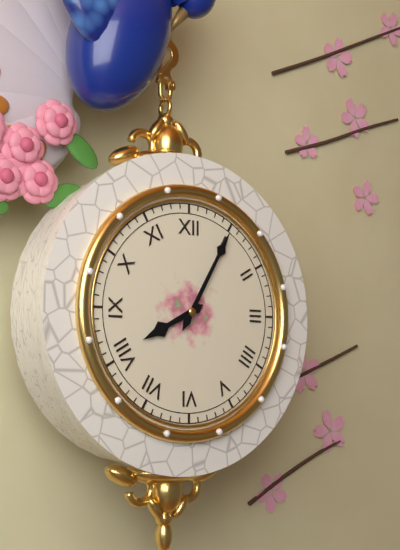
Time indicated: 8:05
